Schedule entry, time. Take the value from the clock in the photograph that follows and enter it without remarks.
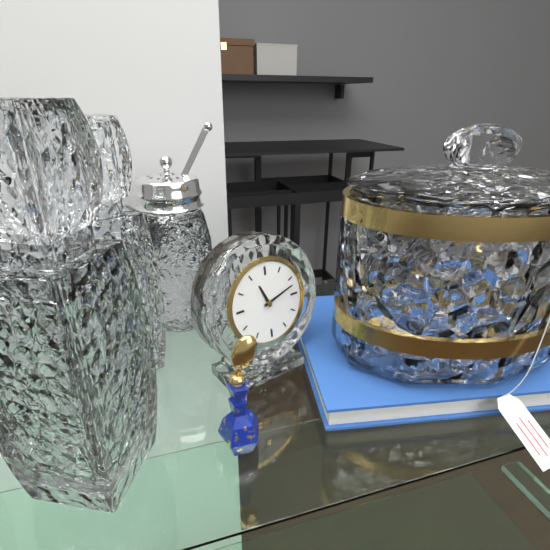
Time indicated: 11:12
